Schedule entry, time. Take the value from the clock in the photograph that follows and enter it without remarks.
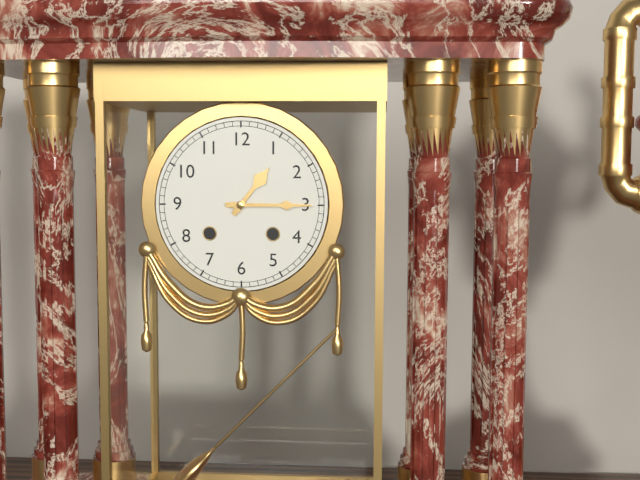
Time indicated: 1:15
